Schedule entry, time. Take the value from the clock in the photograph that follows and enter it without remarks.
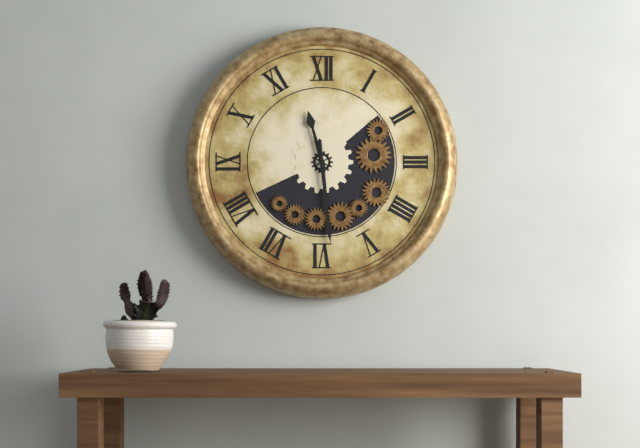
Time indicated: 11:29
